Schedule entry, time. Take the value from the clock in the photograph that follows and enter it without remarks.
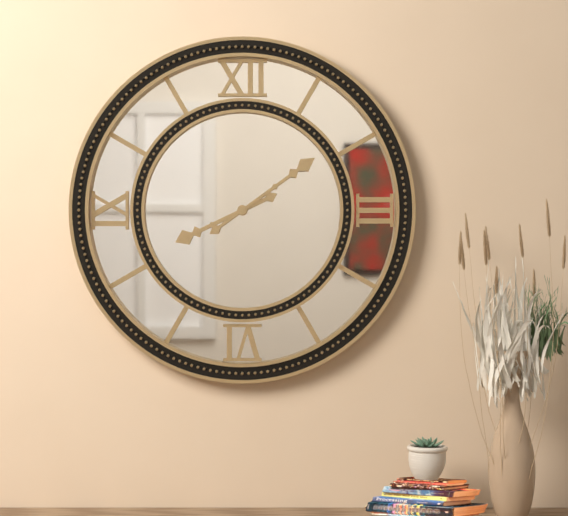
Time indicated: 8:09
